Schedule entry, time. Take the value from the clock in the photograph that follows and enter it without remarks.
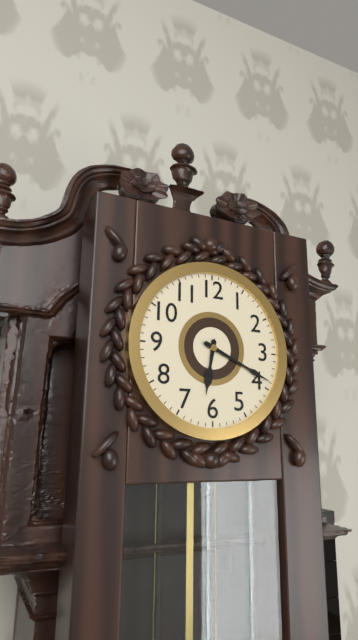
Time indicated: 6:19
